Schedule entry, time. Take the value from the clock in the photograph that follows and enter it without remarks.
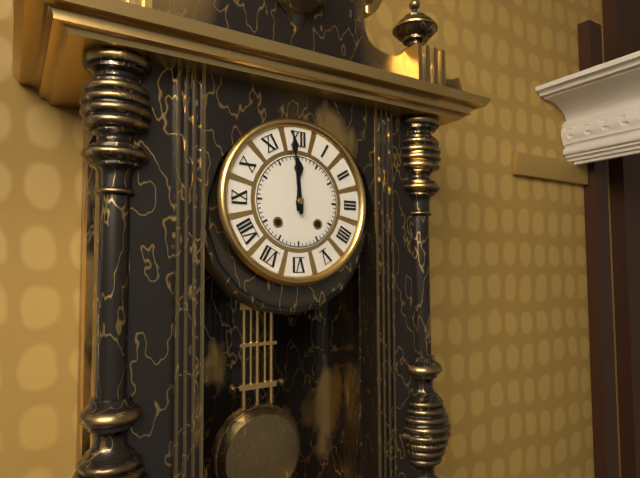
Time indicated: 11:59
